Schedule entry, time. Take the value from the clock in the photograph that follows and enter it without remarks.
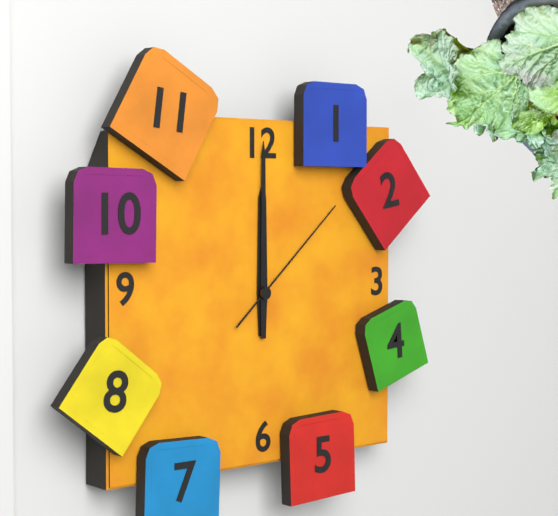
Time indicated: 12:00:08
